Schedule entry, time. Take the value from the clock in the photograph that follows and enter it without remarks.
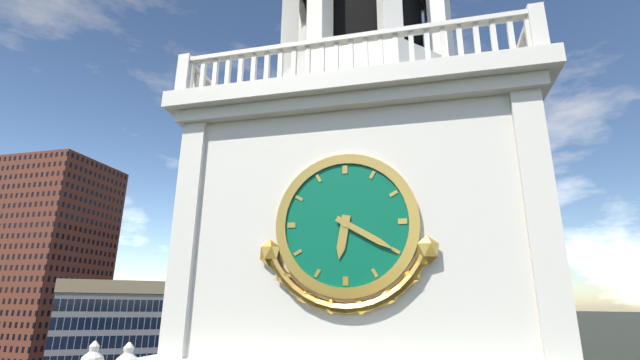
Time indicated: 6:20
